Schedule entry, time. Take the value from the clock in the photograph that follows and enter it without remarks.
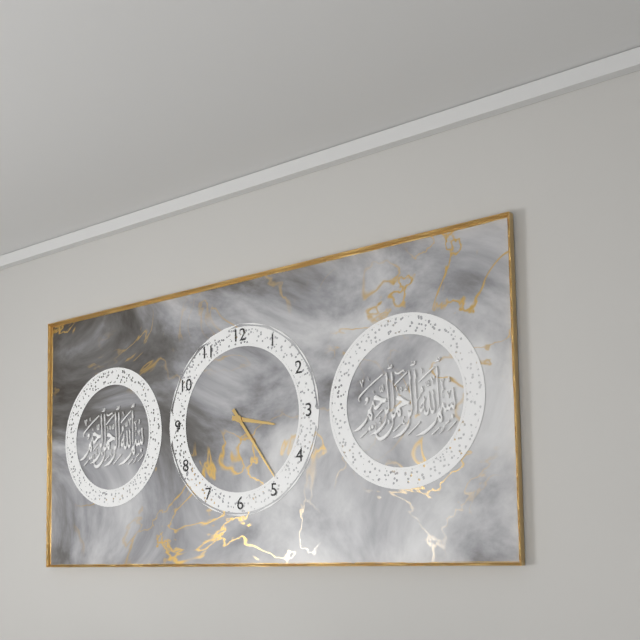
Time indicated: 3:24
